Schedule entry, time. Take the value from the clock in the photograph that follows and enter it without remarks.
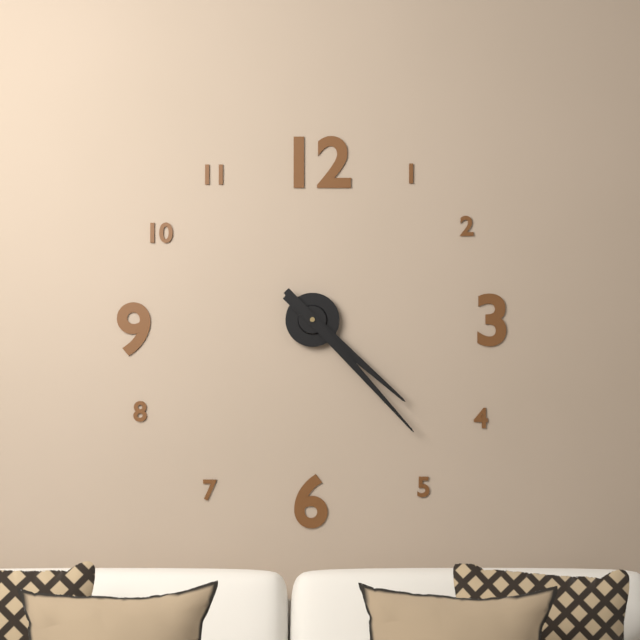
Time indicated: 4:23
